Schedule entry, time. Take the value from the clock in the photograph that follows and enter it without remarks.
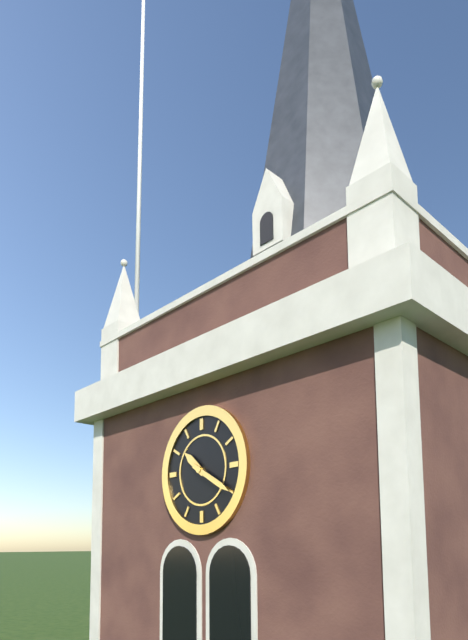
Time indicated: 10:20
